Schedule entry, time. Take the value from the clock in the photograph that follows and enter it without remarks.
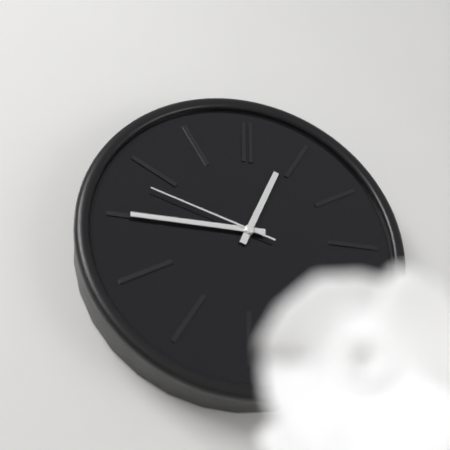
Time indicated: 12:45:48
